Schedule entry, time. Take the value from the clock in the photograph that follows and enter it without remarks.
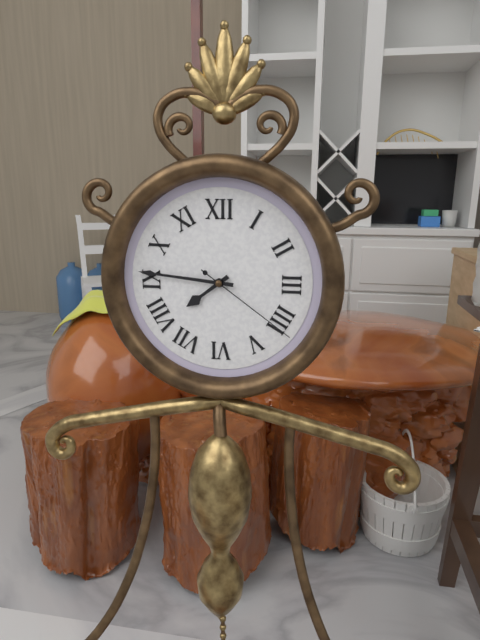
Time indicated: 7:46:21
